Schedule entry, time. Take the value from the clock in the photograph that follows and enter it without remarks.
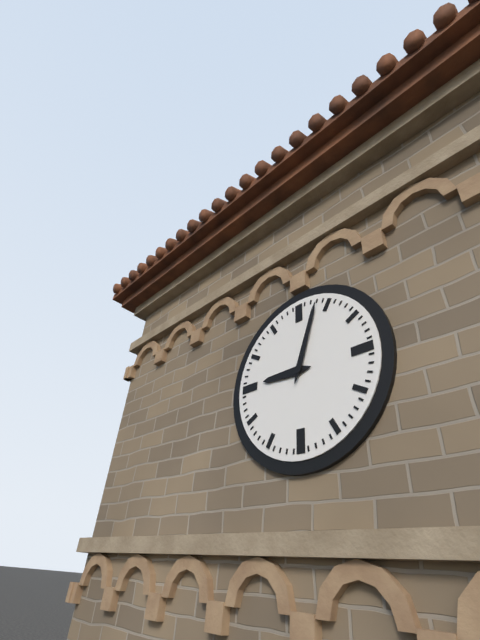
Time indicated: 9:03
